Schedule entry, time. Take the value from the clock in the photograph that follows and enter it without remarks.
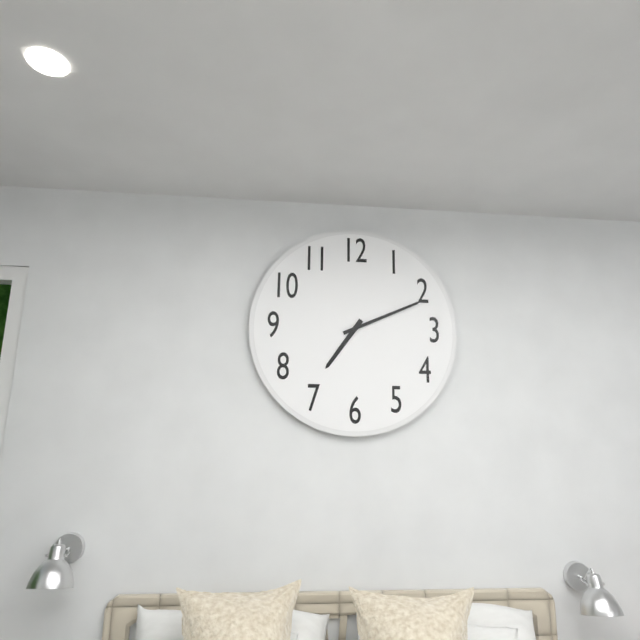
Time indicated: 7:11
